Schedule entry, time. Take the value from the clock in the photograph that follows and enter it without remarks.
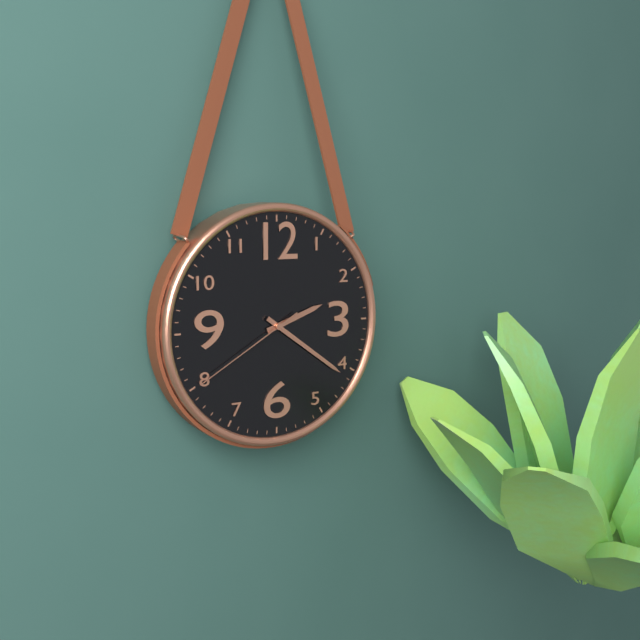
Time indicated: 2:21:40
